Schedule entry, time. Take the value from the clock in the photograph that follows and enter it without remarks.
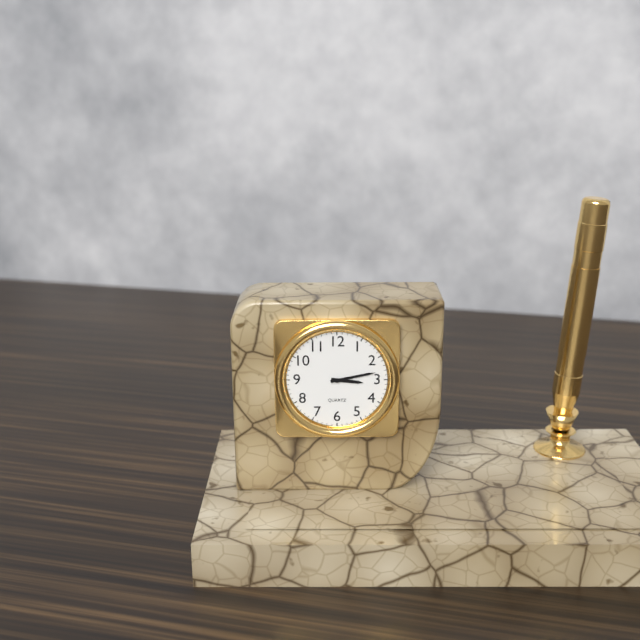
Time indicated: 3:13
